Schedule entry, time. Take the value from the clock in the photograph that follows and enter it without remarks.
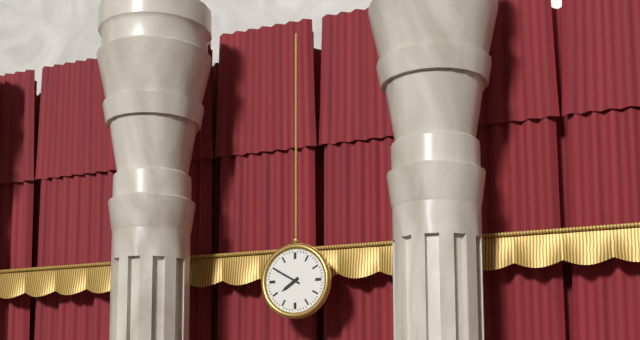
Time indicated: 7:50
